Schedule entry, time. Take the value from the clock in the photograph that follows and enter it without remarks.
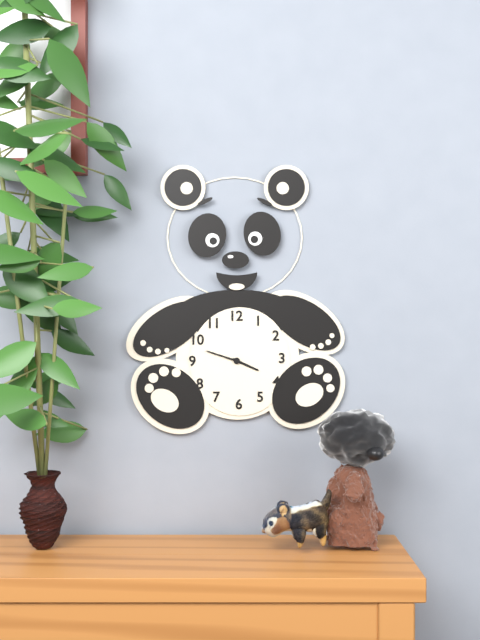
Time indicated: 3:48
